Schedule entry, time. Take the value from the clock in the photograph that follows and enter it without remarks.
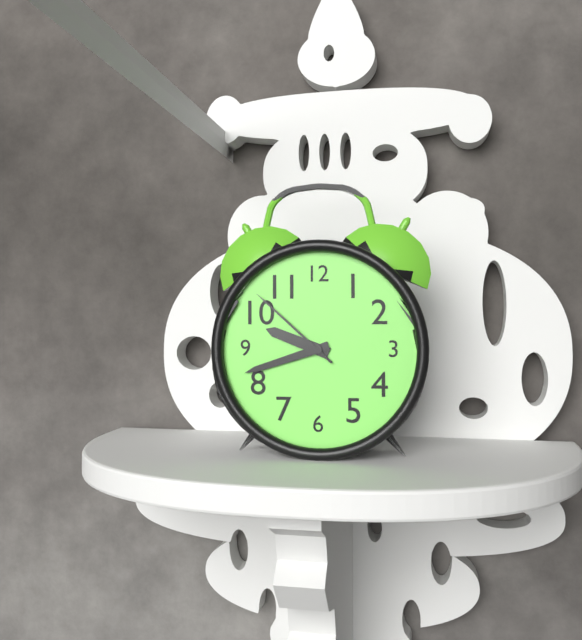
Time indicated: 9:42:52
